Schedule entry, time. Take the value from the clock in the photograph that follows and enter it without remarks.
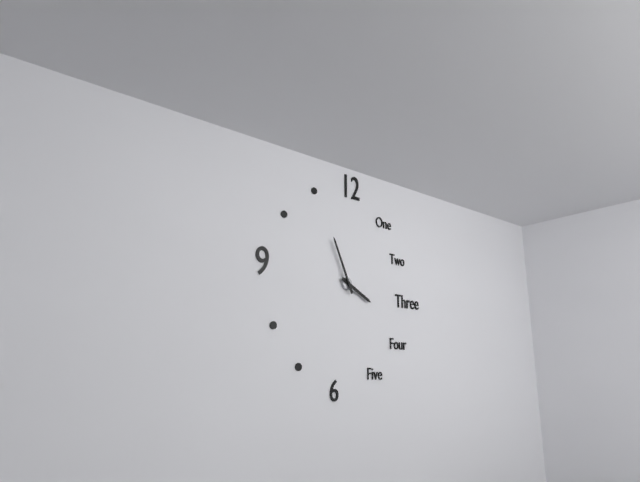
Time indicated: 3:56
